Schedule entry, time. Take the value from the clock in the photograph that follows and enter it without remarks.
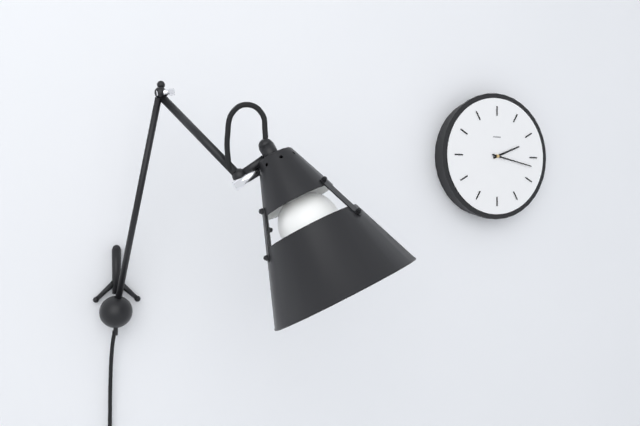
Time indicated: 2:17
